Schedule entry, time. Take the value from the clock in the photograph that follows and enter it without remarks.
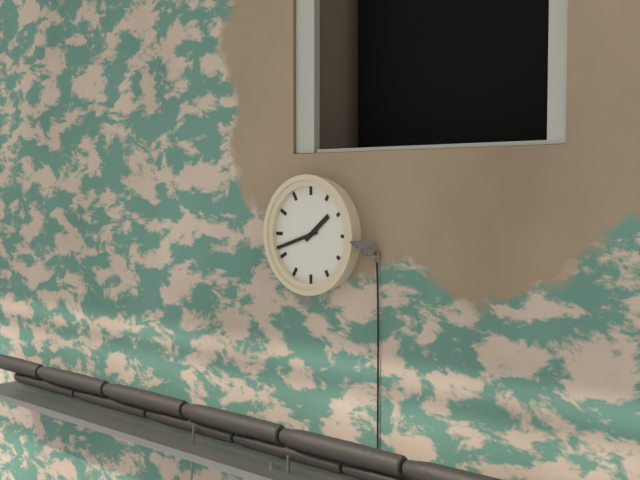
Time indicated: 1:42
